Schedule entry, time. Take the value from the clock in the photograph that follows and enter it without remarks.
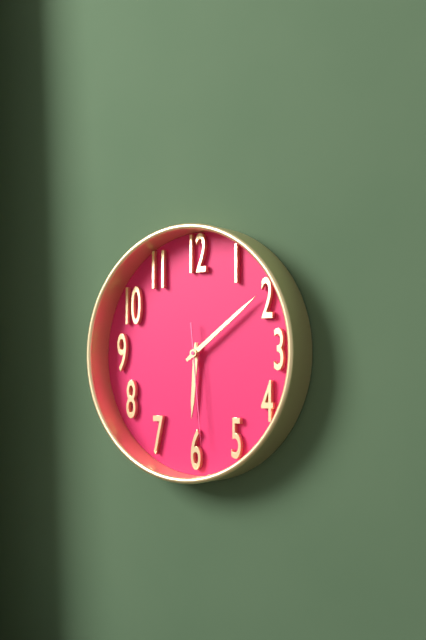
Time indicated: 6:09:29
